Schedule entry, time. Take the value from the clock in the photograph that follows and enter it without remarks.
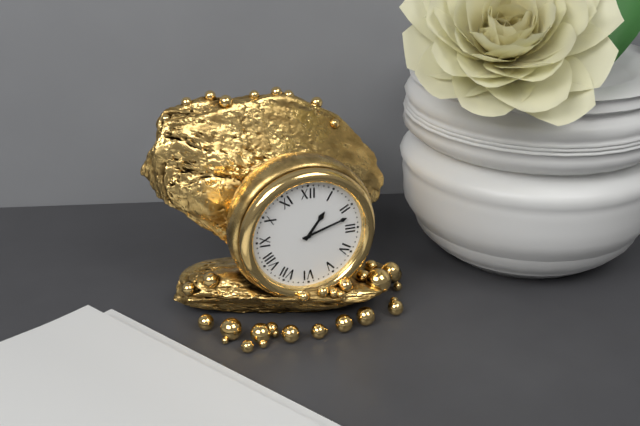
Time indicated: 1:12
